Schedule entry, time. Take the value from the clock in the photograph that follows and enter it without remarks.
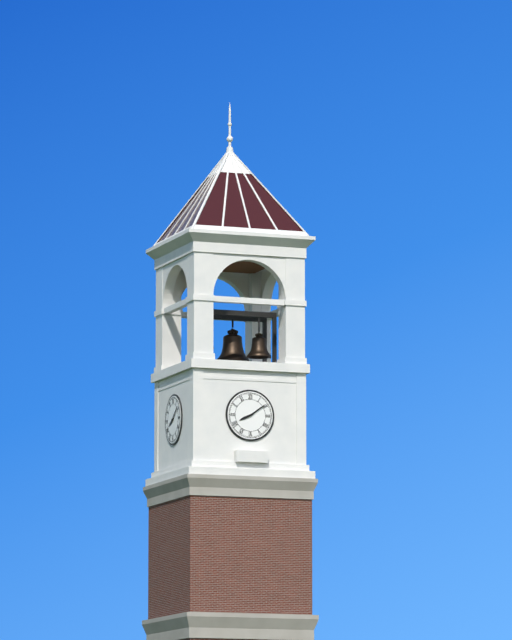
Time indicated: 8:09
